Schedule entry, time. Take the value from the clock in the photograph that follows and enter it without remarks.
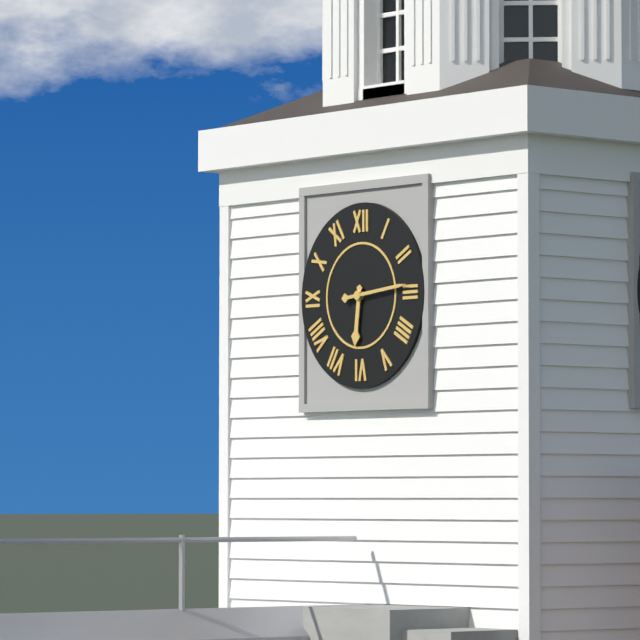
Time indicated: 6:14
